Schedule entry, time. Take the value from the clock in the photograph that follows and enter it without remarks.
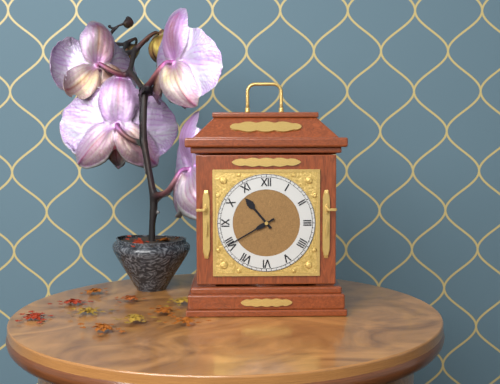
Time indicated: 10:40
